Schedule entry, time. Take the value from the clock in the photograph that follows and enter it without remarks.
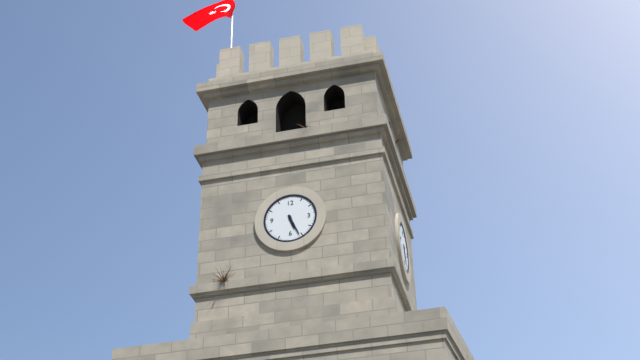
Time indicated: 5:26
